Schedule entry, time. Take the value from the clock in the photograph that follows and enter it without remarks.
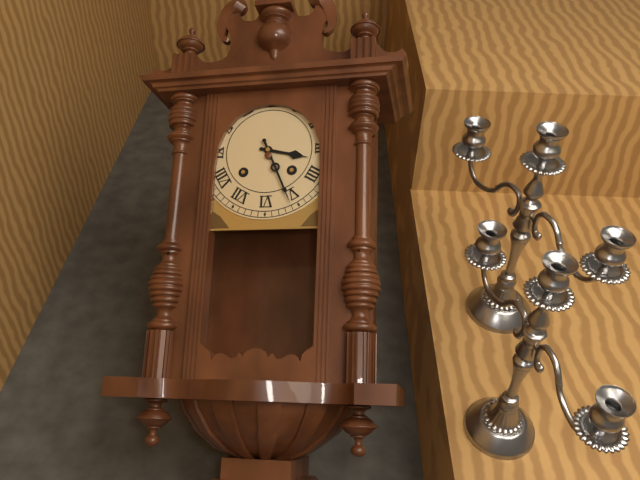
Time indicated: 3:26
